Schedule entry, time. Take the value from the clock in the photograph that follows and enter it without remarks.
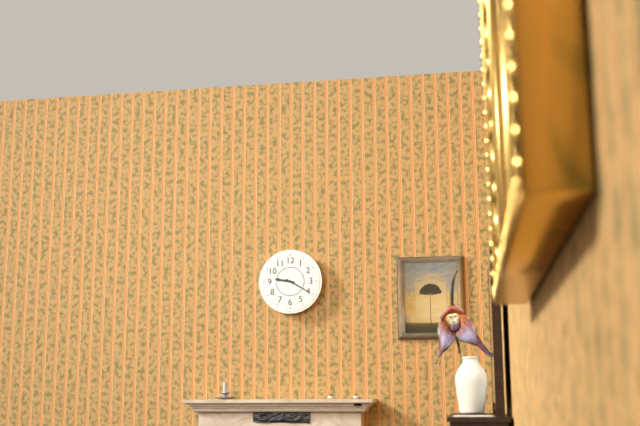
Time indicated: 9:20
